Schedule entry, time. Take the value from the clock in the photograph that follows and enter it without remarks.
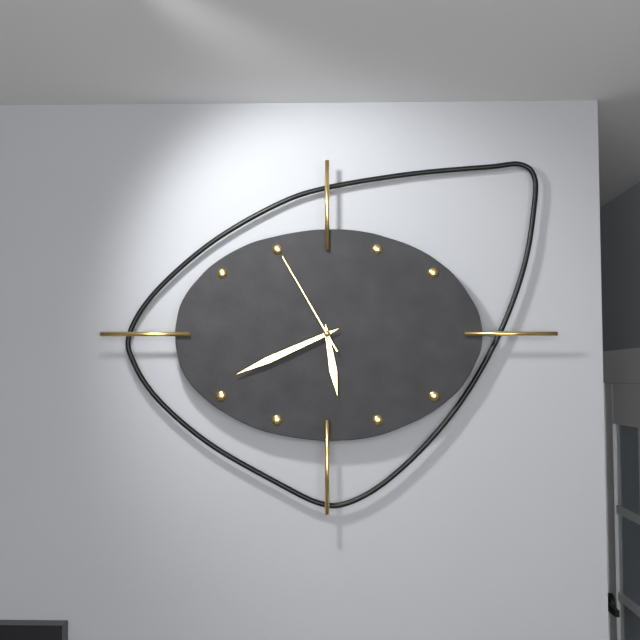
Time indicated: 5:41:55
